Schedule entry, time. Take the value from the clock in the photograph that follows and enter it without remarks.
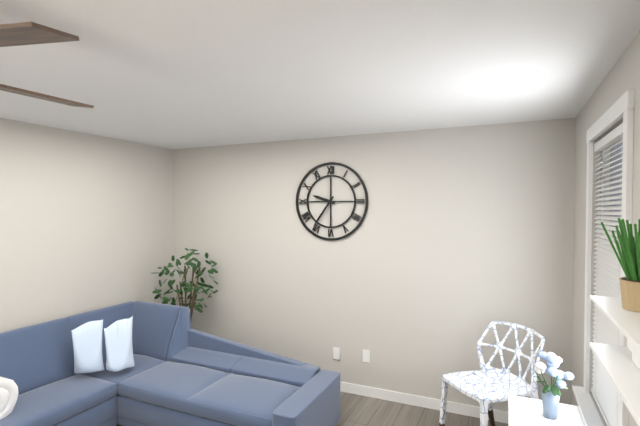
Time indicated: 9:36
